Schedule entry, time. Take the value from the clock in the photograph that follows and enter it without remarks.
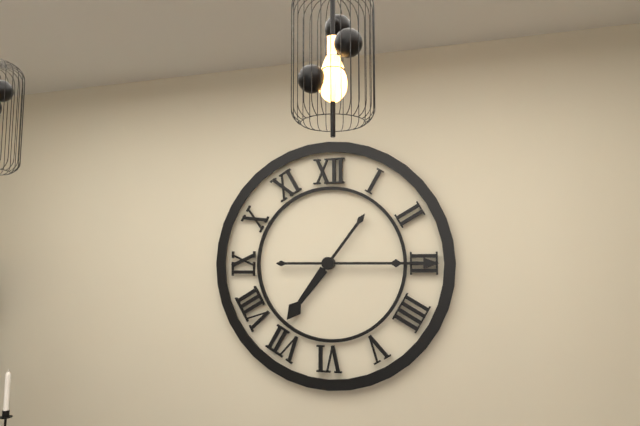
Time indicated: 7:15
